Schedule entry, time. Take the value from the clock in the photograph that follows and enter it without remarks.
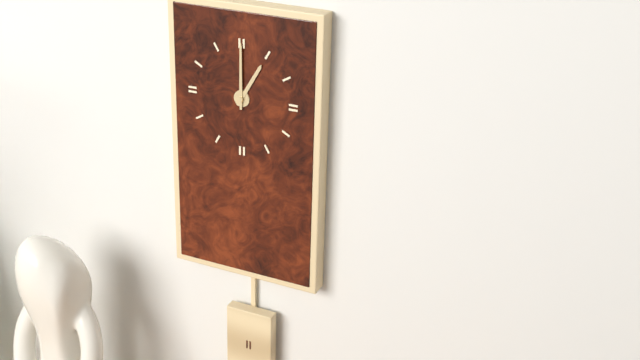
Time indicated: 1:00
